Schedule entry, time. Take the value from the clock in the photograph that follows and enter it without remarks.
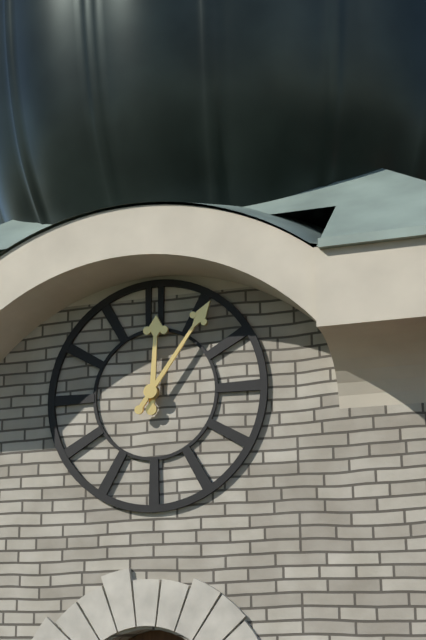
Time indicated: 12:06
